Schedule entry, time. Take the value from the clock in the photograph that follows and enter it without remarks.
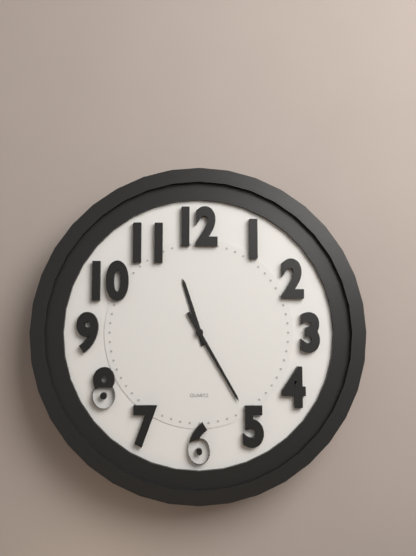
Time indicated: 11:25
